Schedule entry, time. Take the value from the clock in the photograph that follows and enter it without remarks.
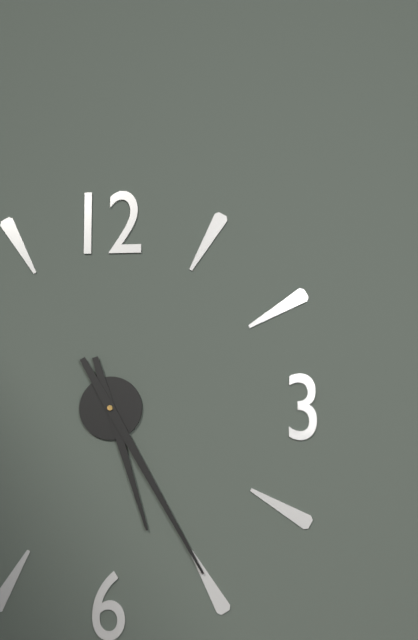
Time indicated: 5:25
